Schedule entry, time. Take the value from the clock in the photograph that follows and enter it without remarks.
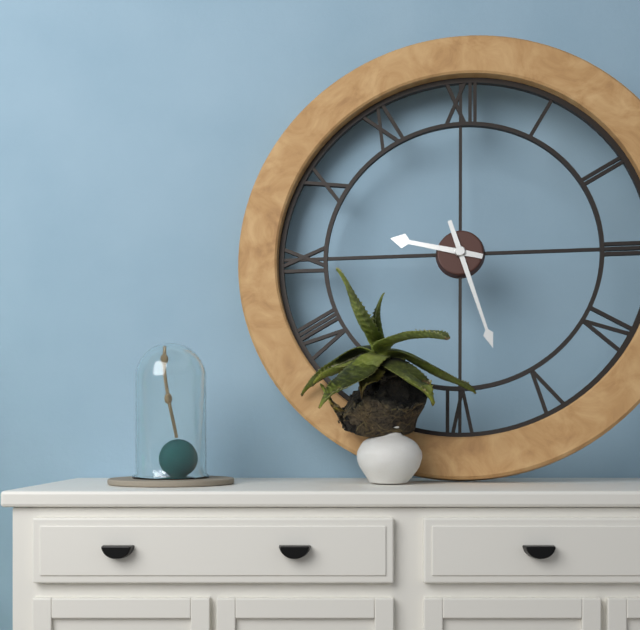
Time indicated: 9:27
